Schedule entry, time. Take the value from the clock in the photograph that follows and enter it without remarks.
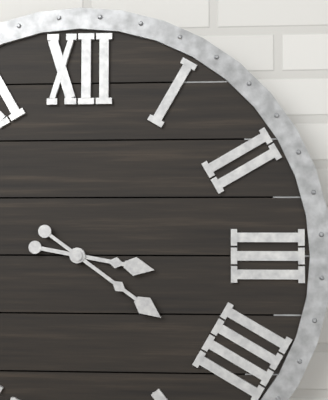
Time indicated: 3:21
